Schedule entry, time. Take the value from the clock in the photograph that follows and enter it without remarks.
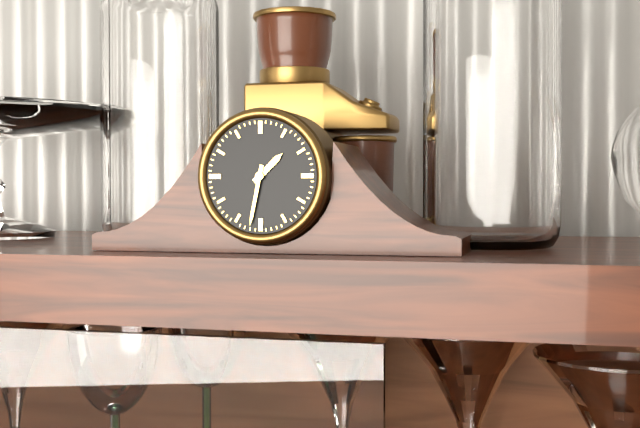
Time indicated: 1:32
